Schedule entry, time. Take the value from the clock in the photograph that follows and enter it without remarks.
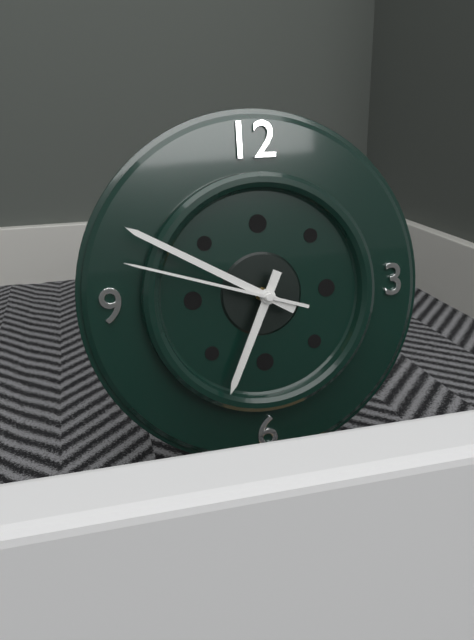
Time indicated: 6:50:48
